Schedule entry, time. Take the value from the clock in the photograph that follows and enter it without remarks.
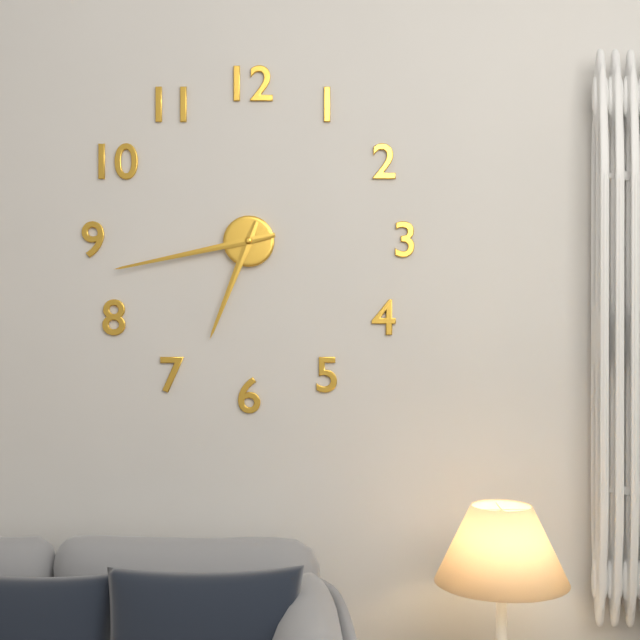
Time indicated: 6:43
